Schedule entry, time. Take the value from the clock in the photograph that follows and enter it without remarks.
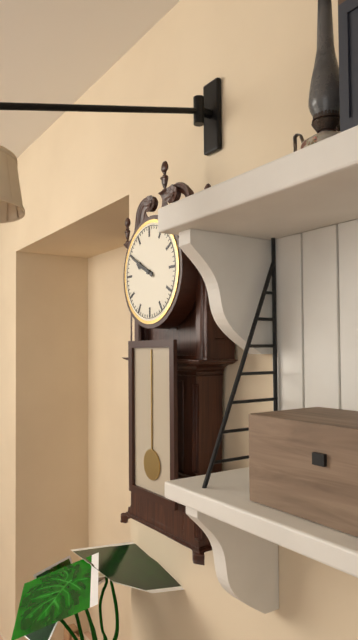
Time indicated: 9:50
